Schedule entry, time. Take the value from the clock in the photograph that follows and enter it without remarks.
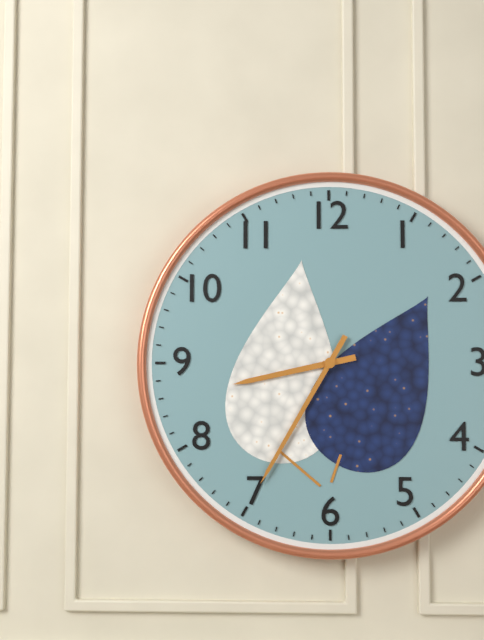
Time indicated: 8:35
